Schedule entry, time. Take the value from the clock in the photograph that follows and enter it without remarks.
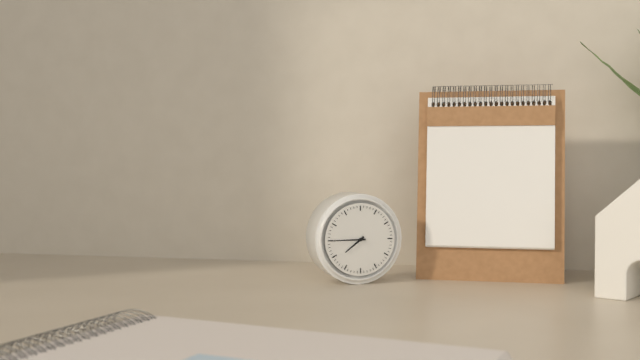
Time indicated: 7:45
